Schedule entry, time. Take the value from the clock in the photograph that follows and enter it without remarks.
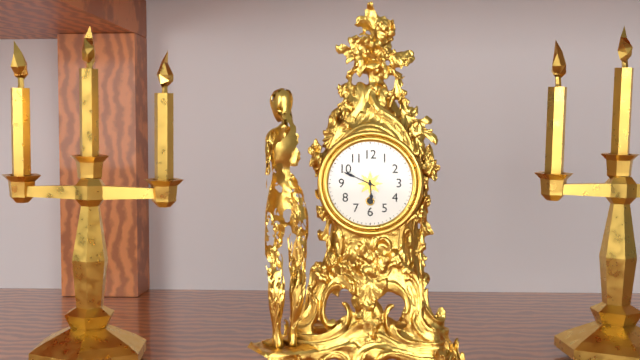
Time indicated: 5:49
